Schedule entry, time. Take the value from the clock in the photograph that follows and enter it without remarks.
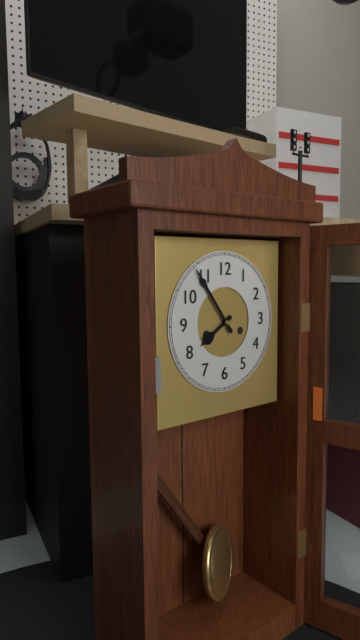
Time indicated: 7:54
